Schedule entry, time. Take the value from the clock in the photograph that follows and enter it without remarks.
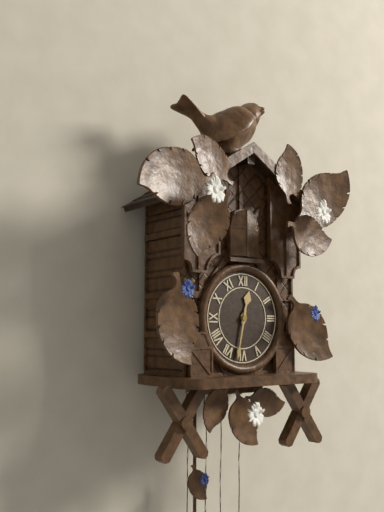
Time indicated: 12:32
